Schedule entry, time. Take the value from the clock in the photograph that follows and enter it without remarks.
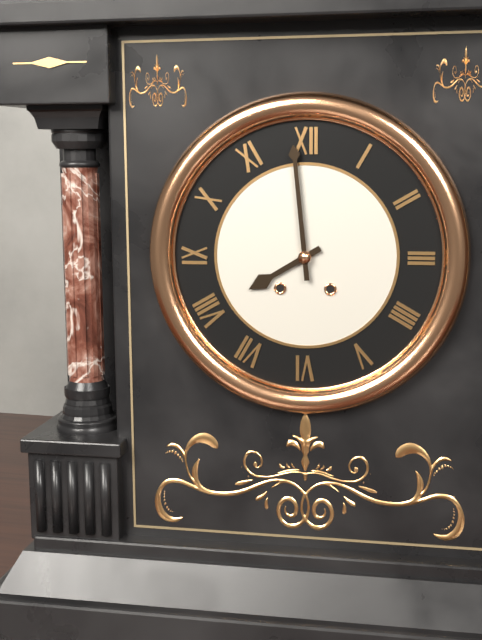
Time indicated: 7:59
